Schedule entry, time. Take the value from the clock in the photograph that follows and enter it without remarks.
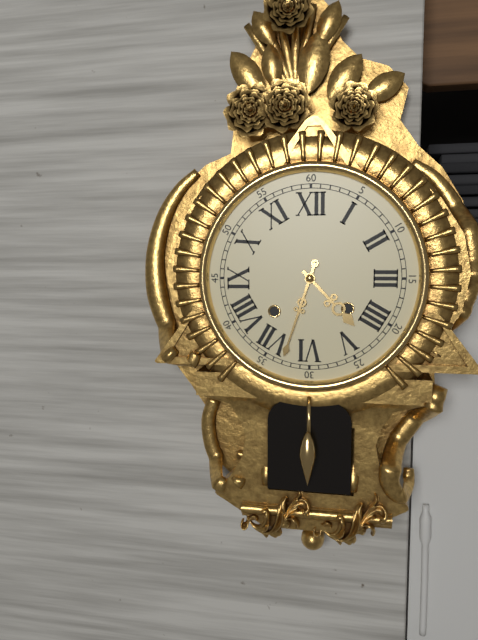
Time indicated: 4:33
